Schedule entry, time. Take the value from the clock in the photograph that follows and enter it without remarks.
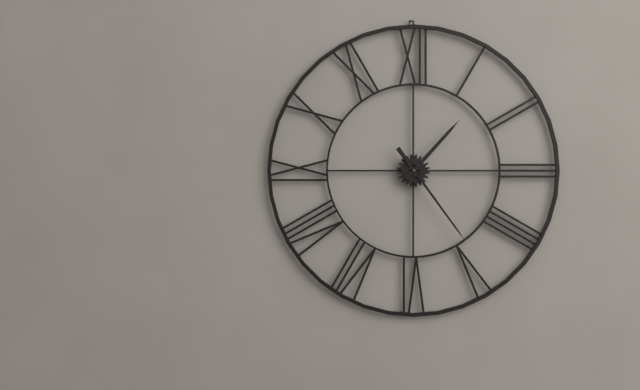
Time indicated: 1:24
